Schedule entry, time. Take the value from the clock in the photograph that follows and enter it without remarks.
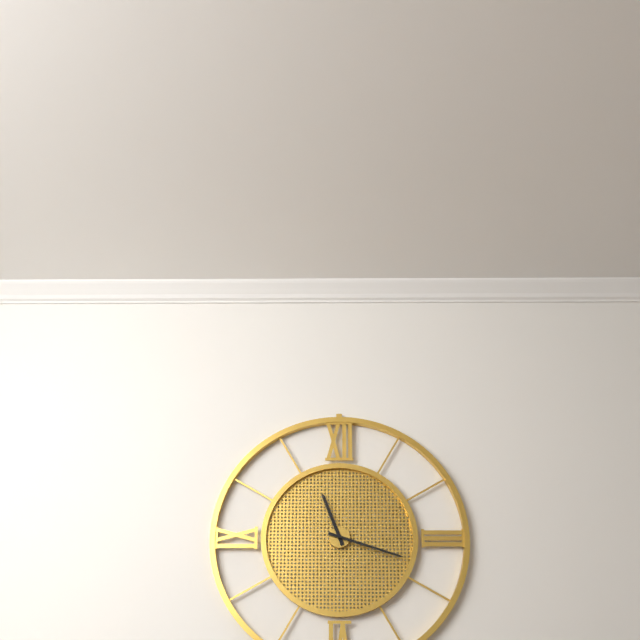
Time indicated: 11:18
